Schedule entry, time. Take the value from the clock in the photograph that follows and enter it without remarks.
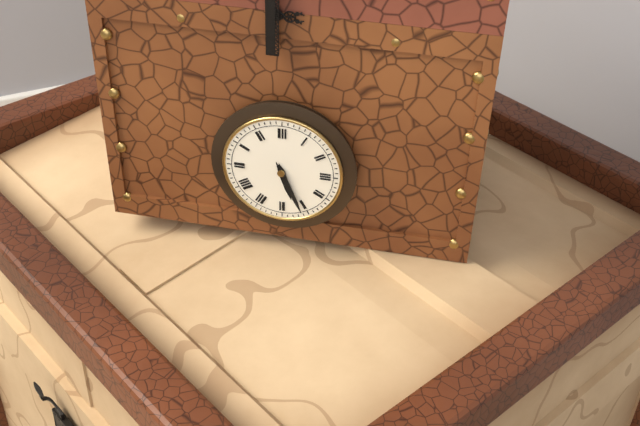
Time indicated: 5:26
